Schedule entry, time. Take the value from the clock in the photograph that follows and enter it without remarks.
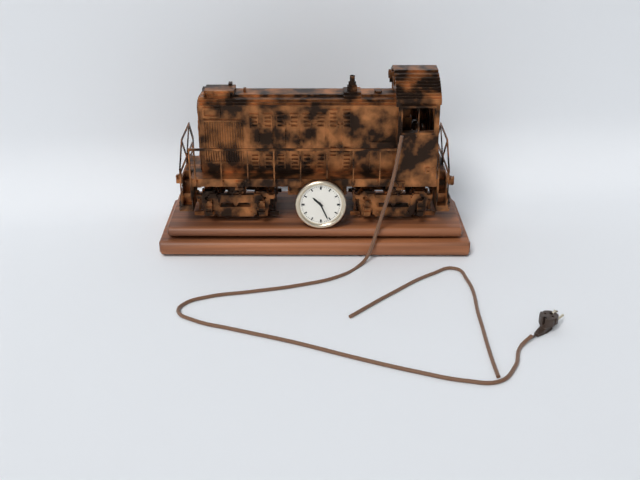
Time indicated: 10:26
